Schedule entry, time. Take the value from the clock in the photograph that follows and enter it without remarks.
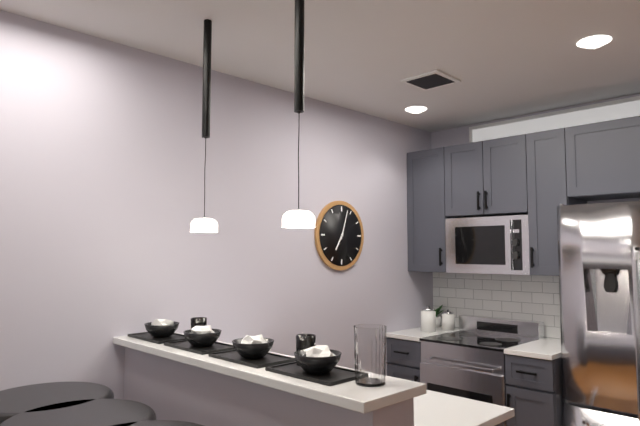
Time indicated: 7:03
